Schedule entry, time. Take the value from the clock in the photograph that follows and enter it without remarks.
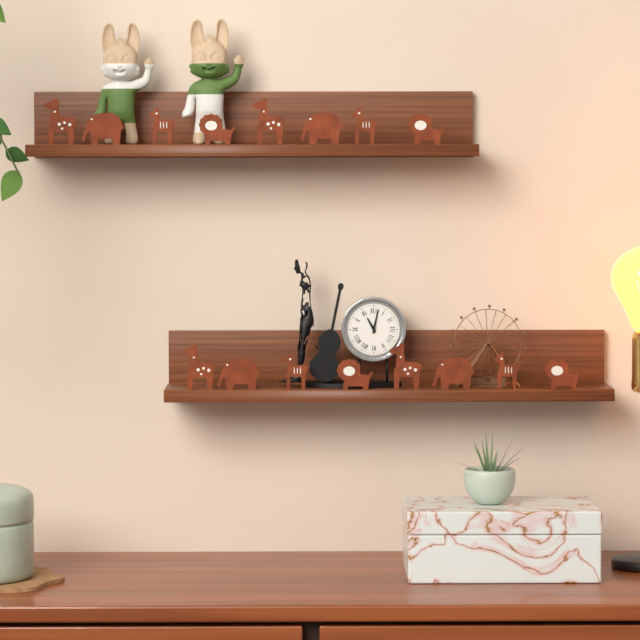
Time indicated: 11:02
